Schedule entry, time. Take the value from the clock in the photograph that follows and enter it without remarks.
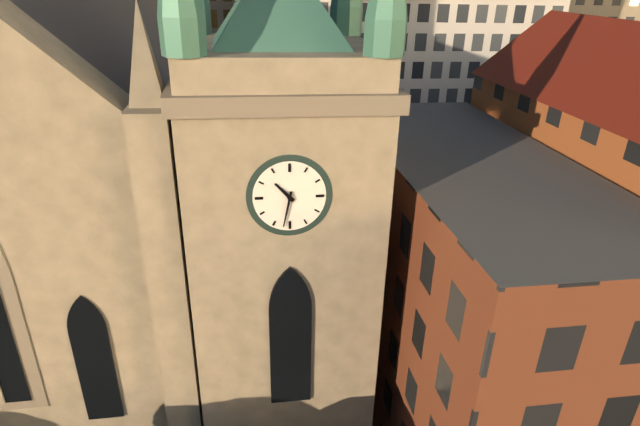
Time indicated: 10:32
